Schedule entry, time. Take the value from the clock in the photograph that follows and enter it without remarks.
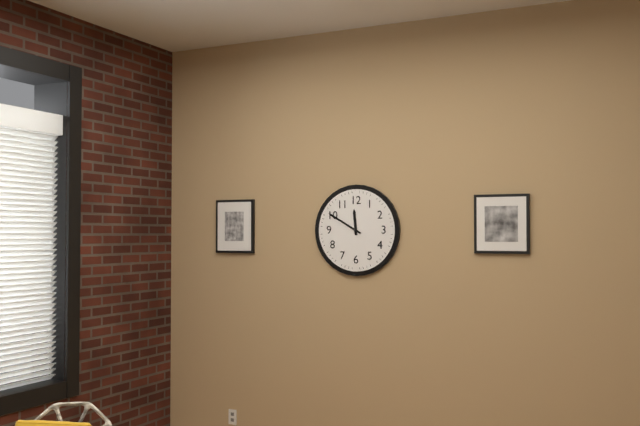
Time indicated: 11:50
